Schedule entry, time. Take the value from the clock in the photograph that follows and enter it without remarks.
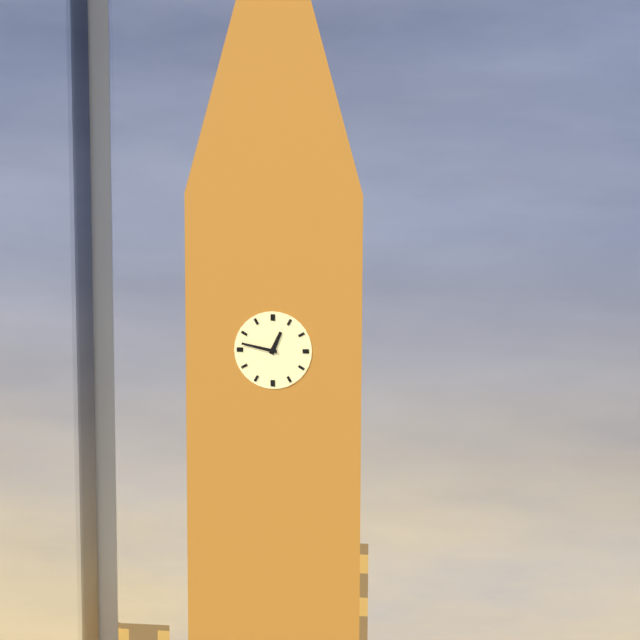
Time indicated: 12:47
